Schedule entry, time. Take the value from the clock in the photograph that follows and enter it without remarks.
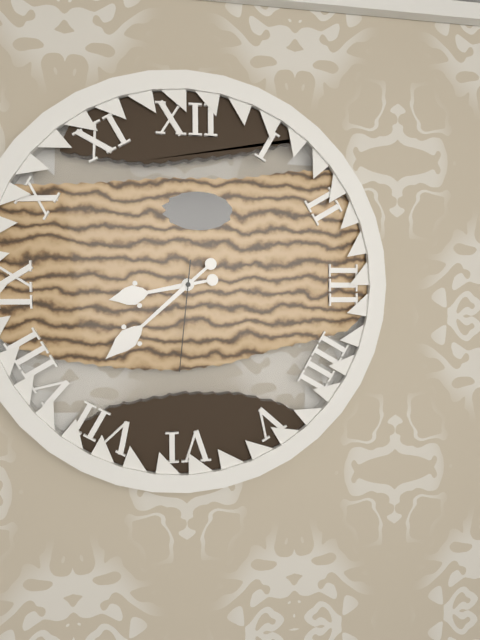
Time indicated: 8:38:31
